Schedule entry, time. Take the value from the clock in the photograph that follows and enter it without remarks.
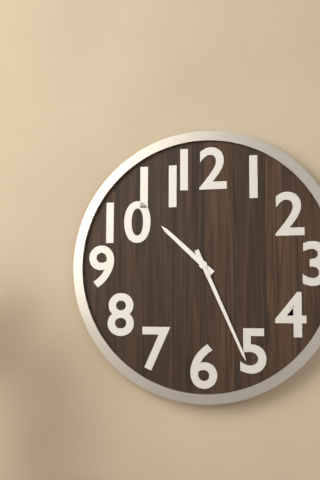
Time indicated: 10:26
